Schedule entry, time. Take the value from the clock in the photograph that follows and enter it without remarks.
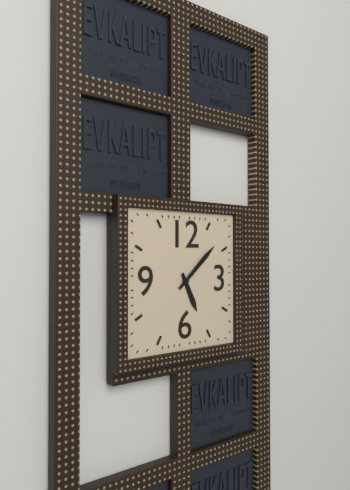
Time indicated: 5:08
